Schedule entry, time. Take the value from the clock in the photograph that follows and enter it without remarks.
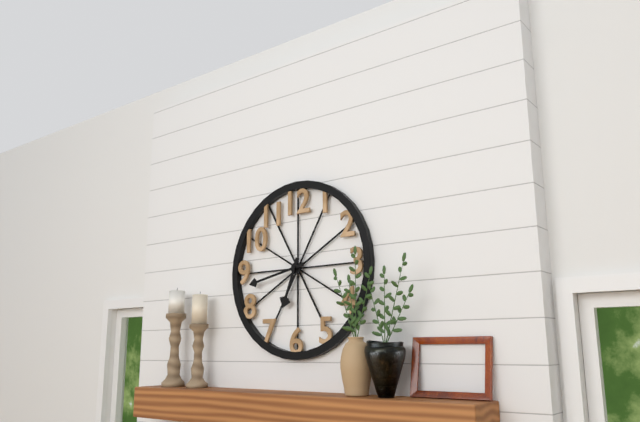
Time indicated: 6:43
